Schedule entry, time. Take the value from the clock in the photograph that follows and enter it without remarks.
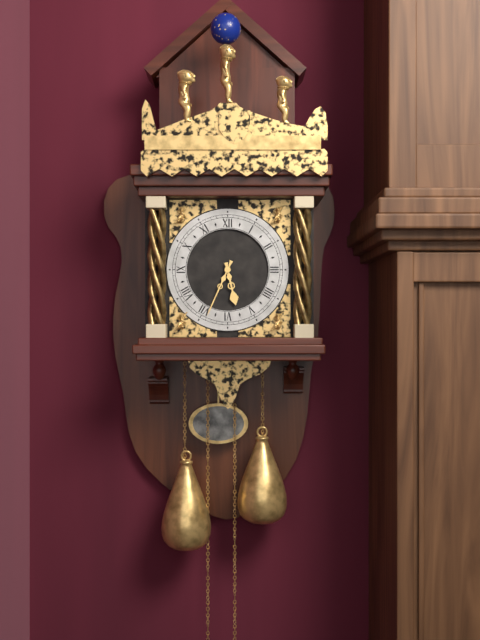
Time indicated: 5:34
